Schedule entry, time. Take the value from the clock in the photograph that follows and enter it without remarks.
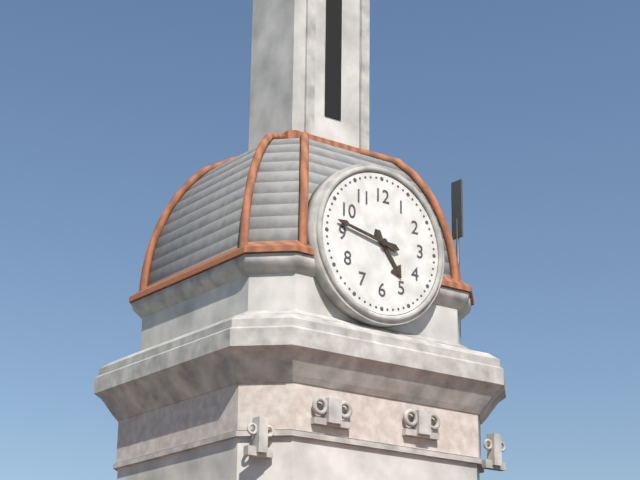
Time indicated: 4:47
